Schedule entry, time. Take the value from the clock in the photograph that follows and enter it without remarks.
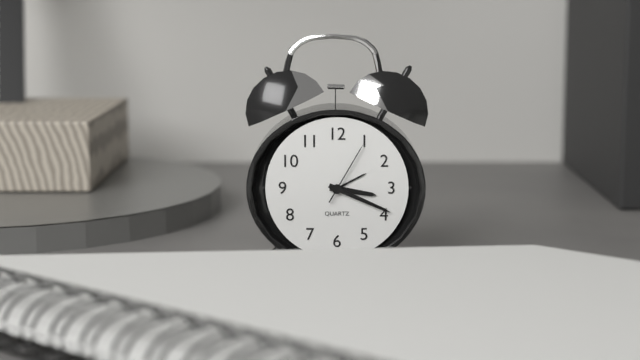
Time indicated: 3:19:05
